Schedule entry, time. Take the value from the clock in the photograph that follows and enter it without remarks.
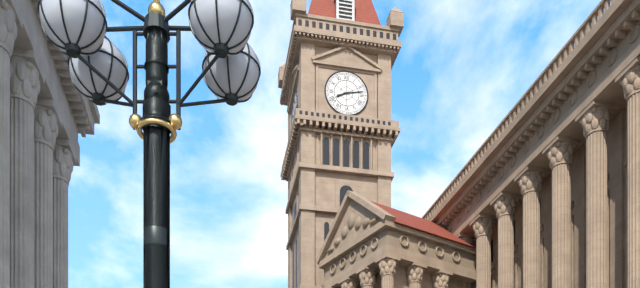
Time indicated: 8:13
